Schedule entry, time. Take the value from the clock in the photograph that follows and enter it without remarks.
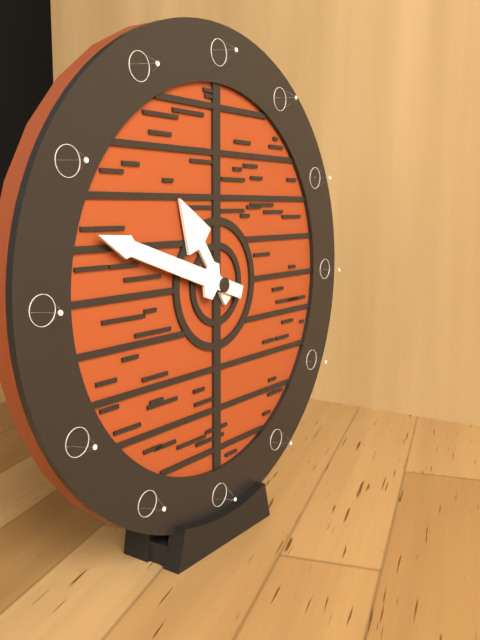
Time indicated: 10:48
